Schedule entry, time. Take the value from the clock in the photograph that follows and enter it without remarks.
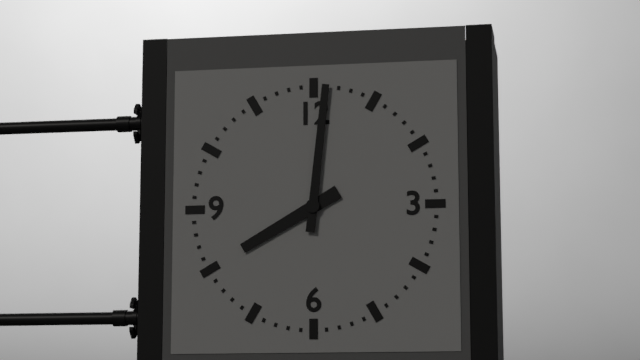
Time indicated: 8:01
